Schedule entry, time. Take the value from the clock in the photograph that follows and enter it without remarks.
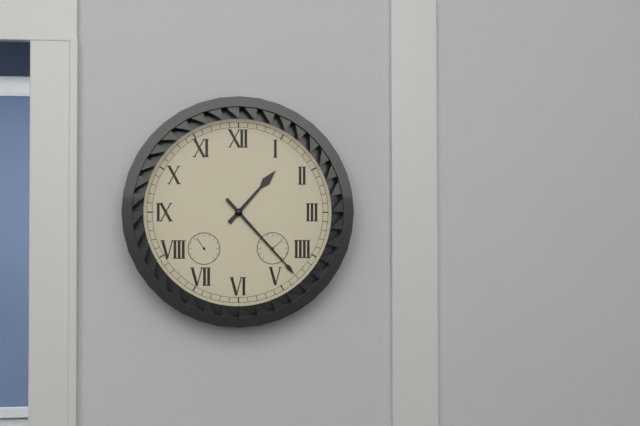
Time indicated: 1:23
